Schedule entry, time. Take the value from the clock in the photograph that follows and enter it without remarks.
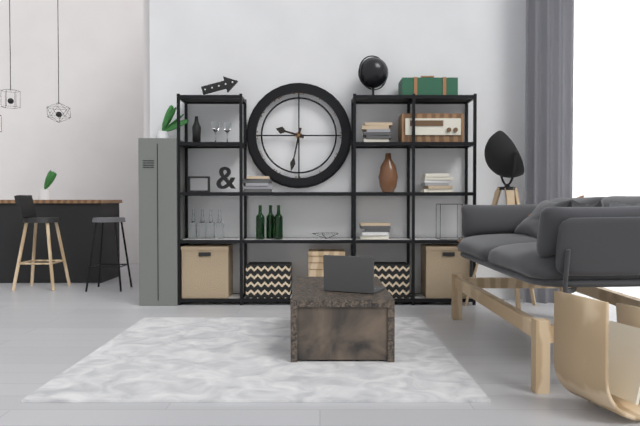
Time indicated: 9:32
